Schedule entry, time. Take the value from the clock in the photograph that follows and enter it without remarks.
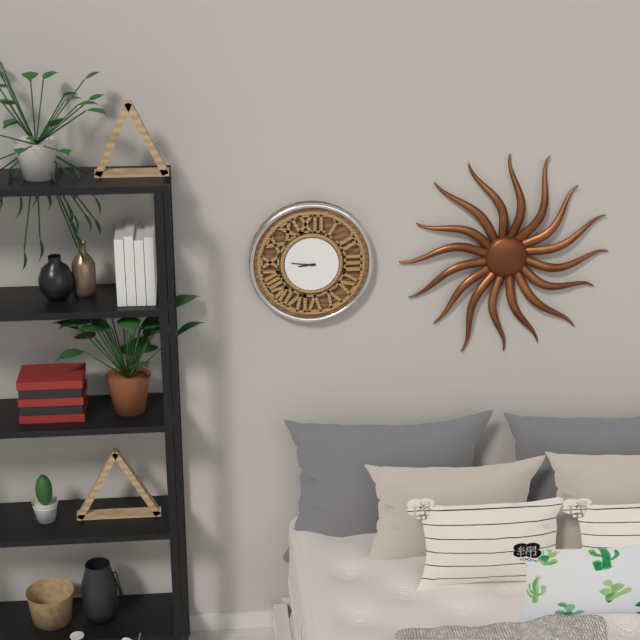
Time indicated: 8:46
